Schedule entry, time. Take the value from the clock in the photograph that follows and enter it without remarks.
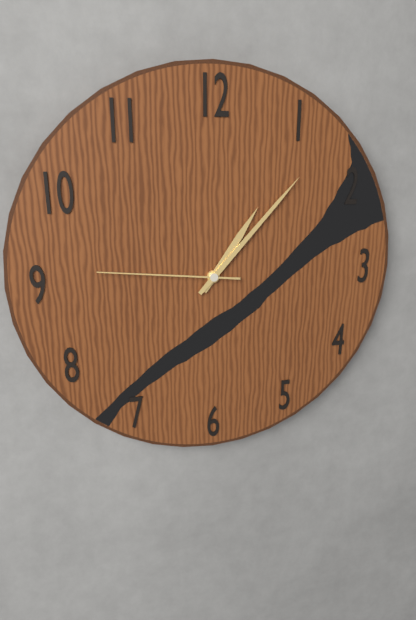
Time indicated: 1:07:46
